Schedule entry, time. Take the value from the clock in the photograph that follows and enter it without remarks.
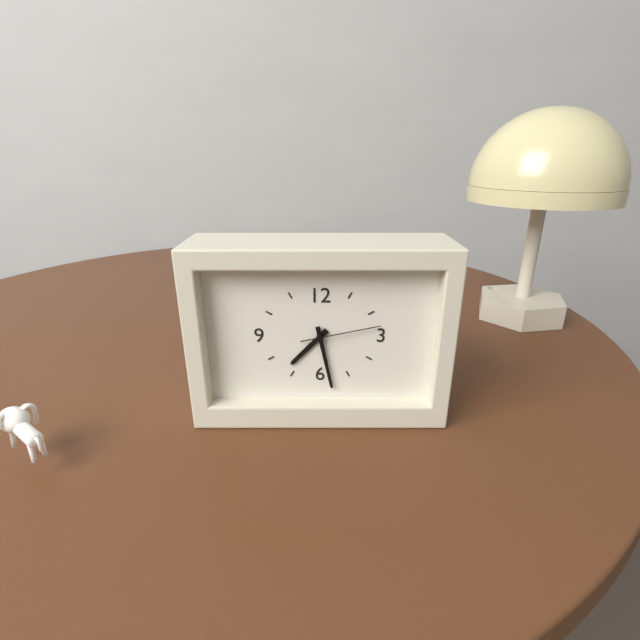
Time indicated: 7:28:13
